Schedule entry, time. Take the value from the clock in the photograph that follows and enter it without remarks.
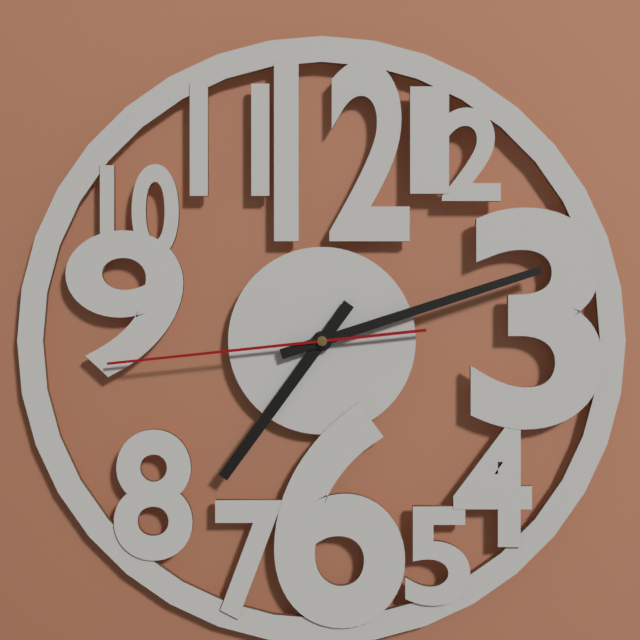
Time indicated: 7:12:44
